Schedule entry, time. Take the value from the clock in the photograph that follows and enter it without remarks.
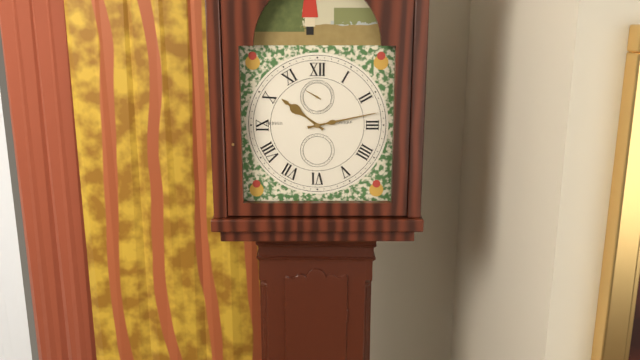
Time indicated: 10:13
